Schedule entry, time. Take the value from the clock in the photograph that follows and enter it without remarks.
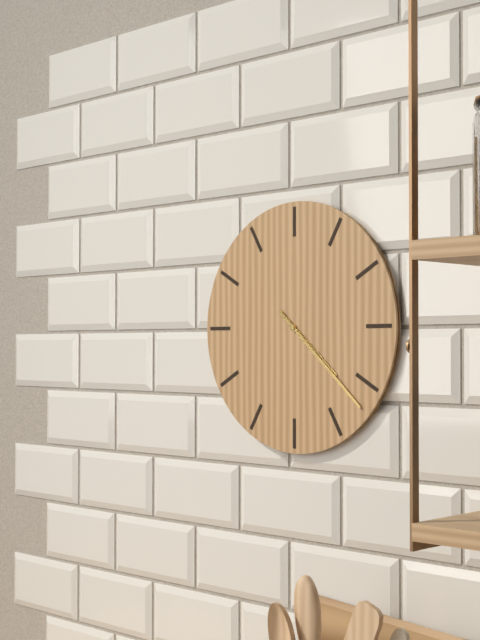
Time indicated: 4:22
